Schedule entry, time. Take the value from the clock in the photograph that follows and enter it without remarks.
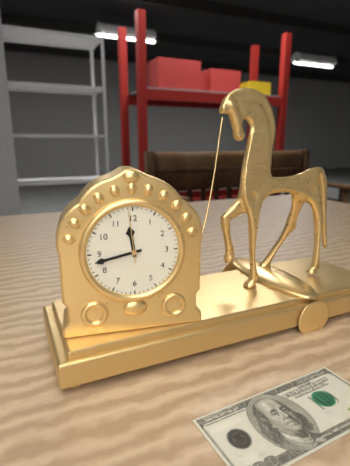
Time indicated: 11:43:59
